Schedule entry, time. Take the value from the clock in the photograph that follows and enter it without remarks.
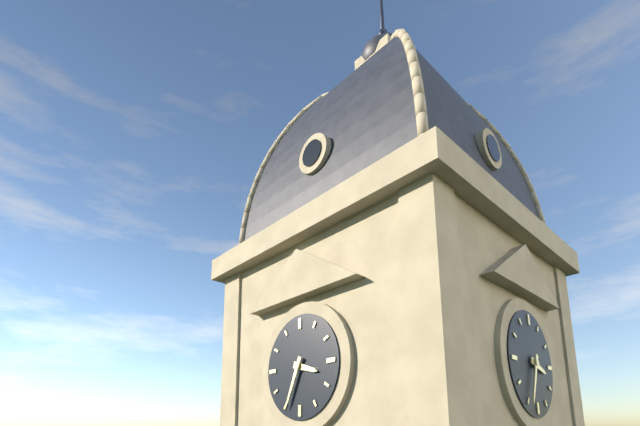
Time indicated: 3:34
